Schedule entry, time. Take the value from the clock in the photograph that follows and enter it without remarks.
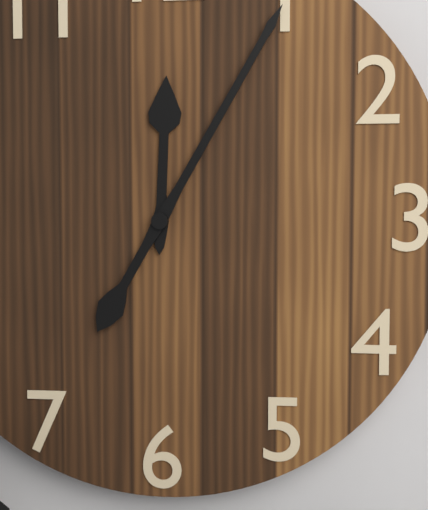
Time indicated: 12:05
